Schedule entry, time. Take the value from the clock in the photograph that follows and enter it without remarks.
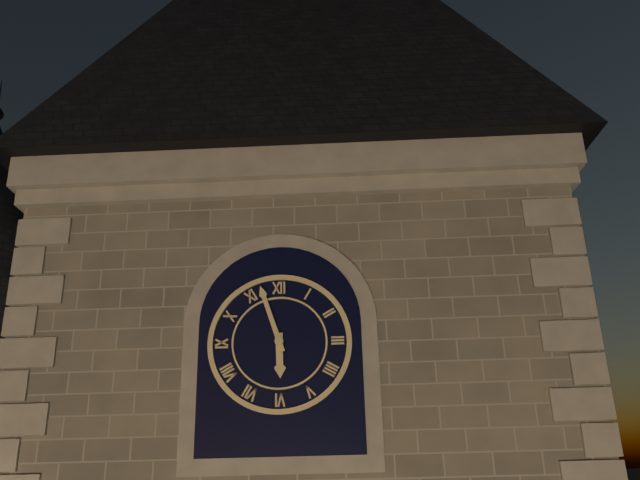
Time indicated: 5:57
